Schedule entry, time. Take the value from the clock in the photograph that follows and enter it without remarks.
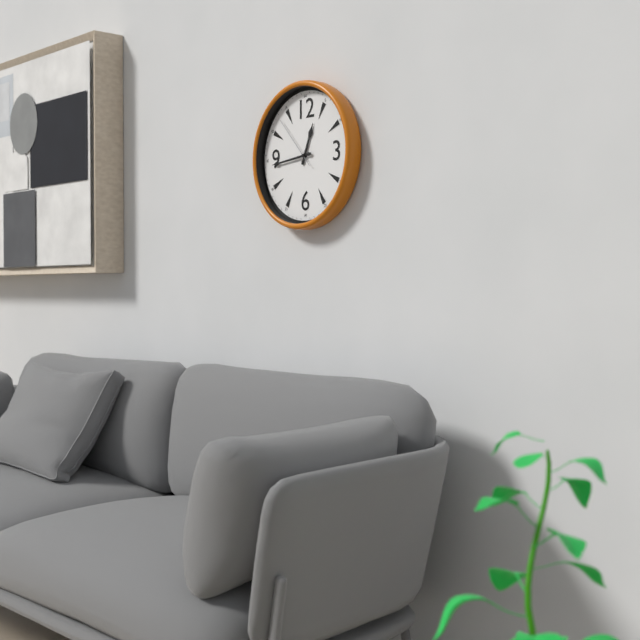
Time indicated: 12:44:53
